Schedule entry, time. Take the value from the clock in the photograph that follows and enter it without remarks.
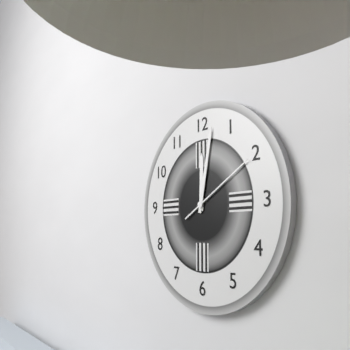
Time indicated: 12:02:10
